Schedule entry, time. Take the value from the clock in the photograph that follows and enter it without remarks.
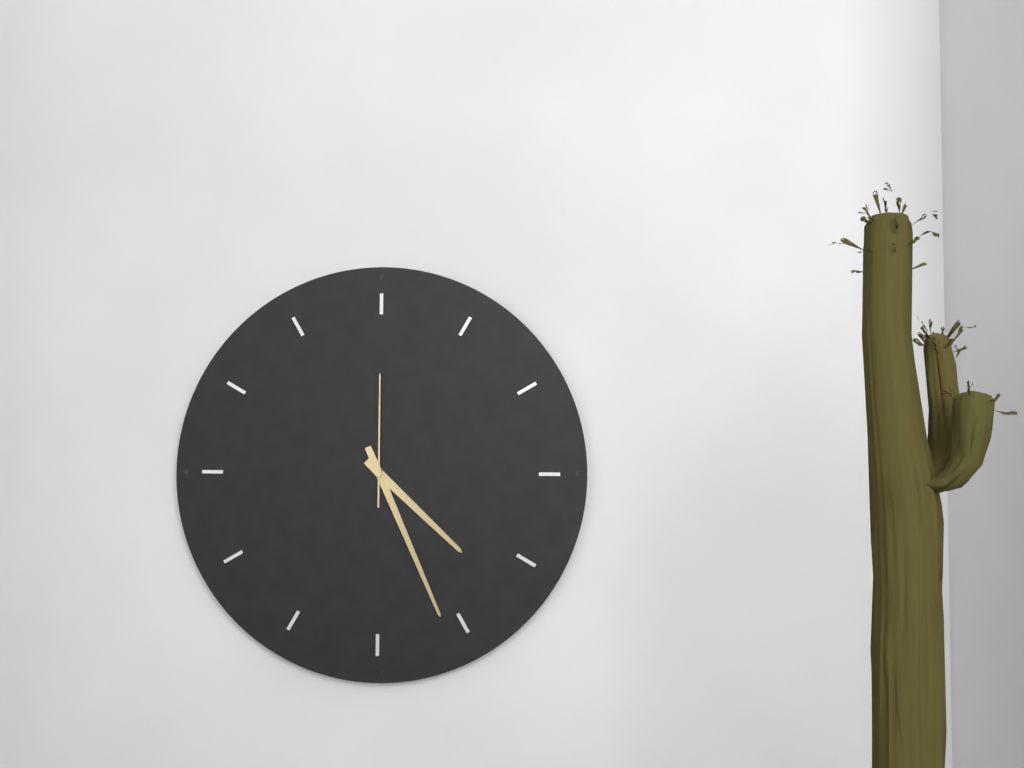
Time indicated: 4:26:00
